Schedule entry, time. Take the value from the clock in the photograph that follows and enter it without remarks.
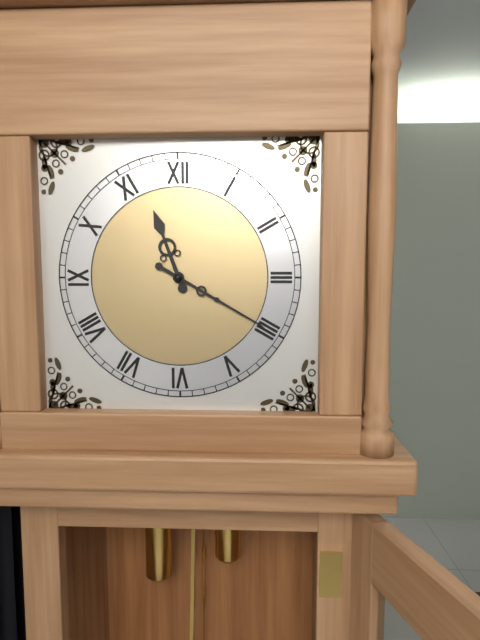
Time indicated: 11:20
